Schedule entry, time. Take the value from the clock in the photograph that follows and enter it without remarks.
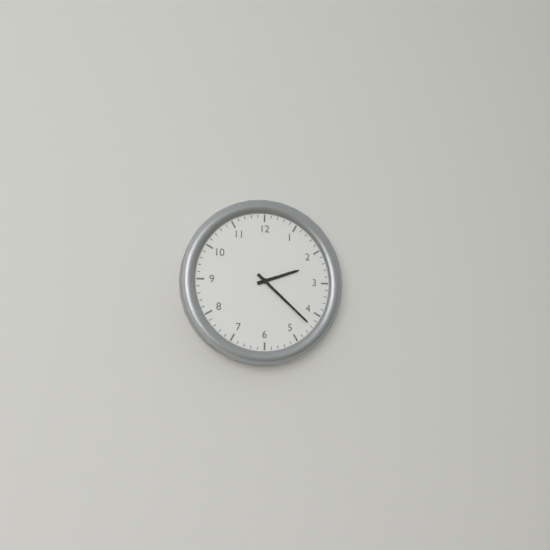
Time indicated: 2:22
